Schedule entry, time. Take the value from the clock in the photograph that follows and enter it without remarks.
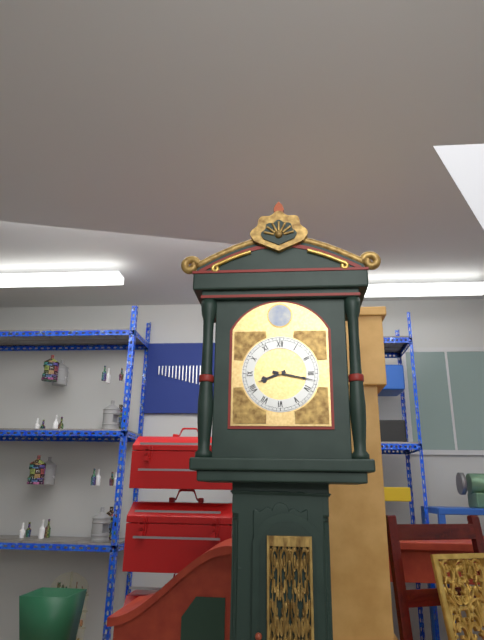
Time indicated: 8:17
